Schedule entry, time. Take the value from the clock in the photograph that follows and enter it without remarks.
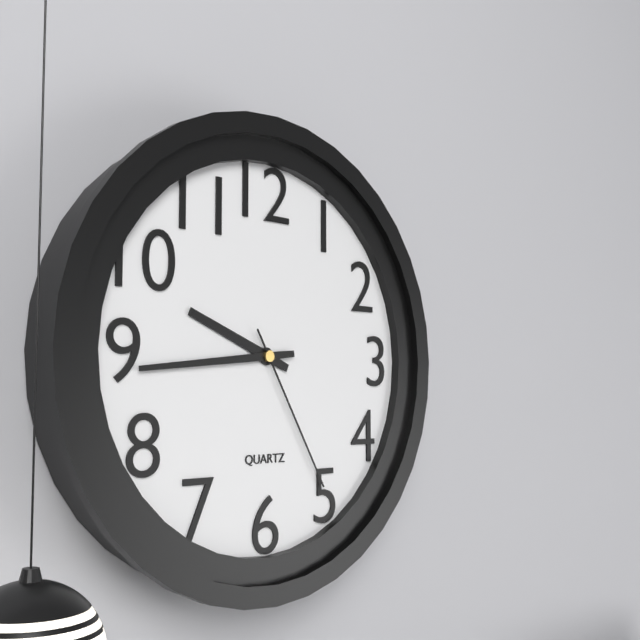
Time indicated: 9:44:25
